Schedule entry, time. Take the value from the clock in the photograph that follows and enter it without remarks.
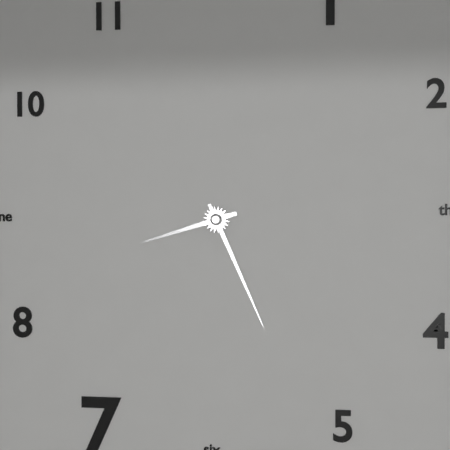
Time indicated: 8:26
